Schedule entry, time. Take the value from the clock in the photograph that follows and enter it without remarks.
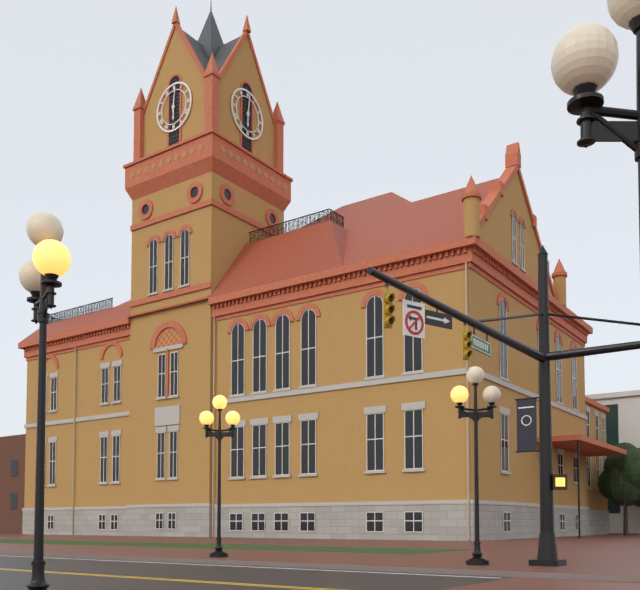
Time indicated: 6:01
